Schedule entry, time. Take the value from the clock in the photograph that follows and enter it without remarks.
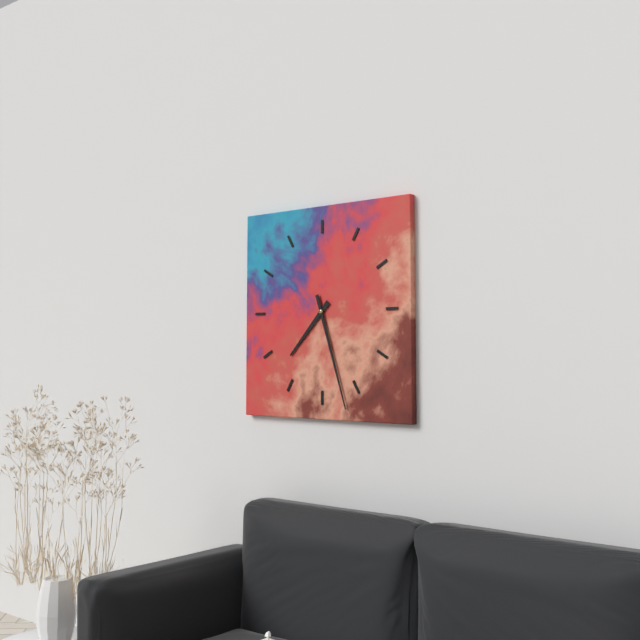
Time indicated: 7:27
